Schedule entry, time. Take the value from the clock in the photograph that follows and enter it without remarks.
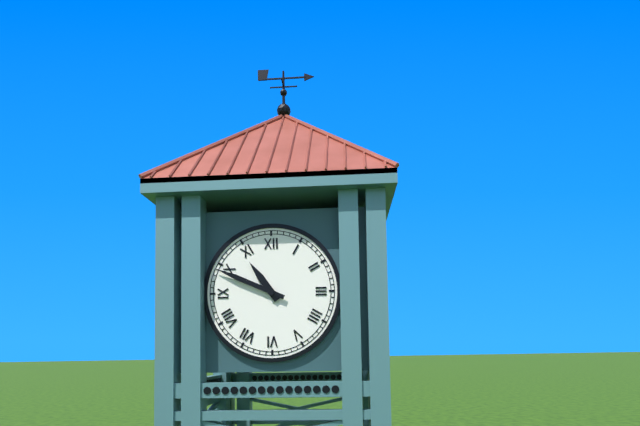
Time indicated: 10:49
